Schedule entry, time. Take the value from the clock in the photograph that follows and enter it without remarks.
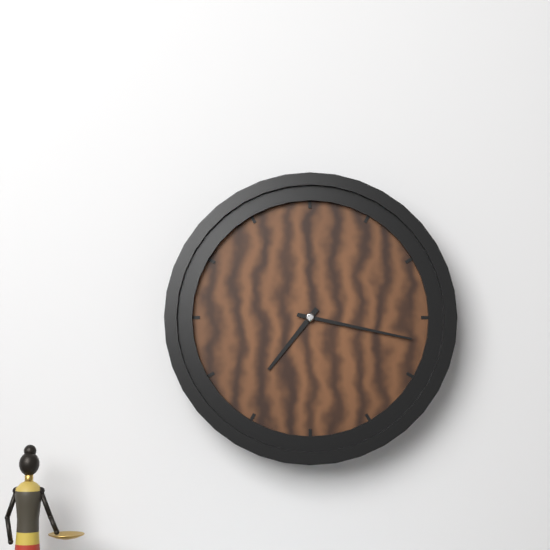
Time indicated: 7:17
